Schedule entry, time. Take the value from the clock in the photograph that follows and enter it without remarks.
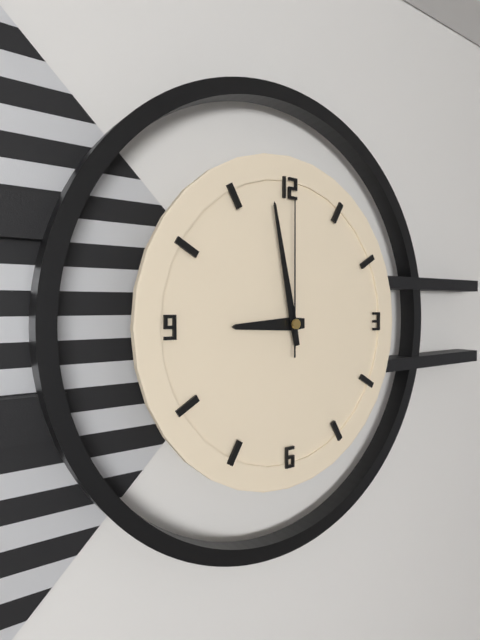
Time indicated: 8:58:00
